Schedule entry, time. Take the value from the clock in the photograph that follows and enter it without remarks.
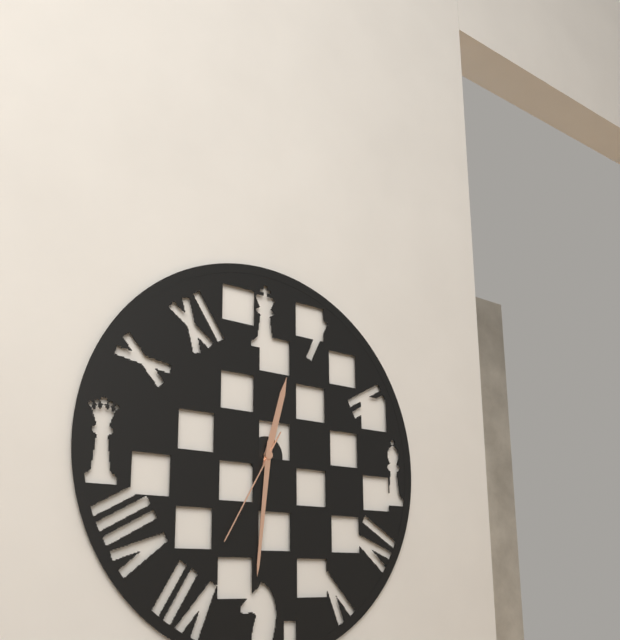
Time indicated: 12:31:35
